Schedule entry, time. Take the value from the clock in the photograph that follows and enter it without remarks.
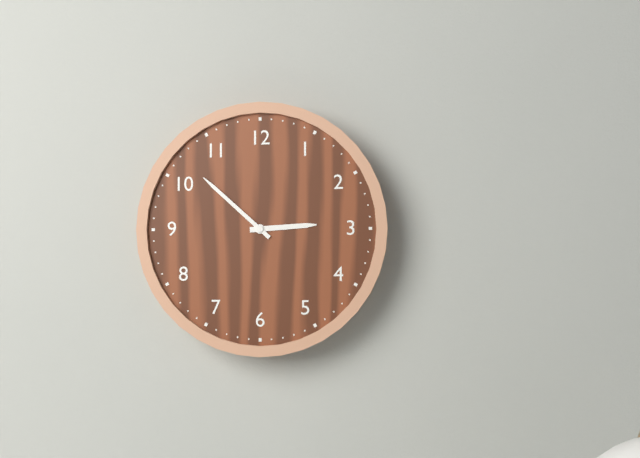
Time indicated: 2:52
